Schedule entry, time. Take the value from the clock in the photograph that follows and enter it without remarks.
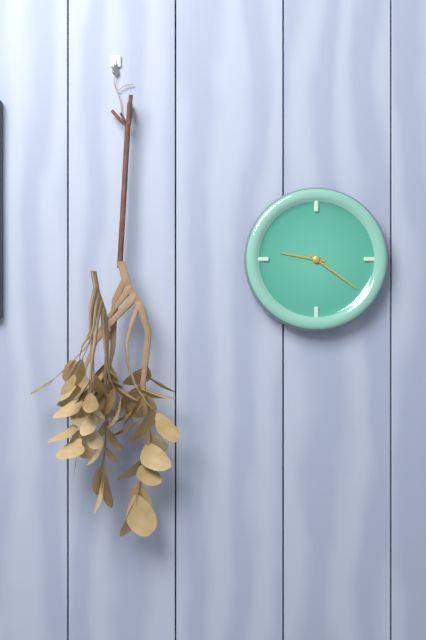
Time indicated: 9:21
